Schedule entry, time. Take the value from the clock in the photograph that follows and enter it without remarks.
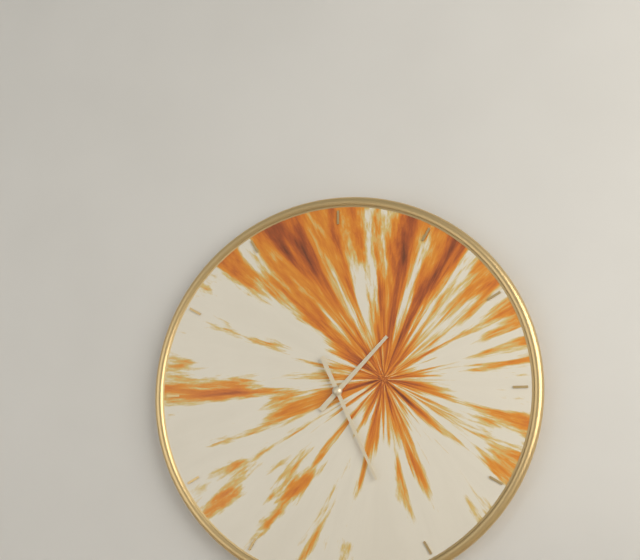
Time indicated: 1:26
